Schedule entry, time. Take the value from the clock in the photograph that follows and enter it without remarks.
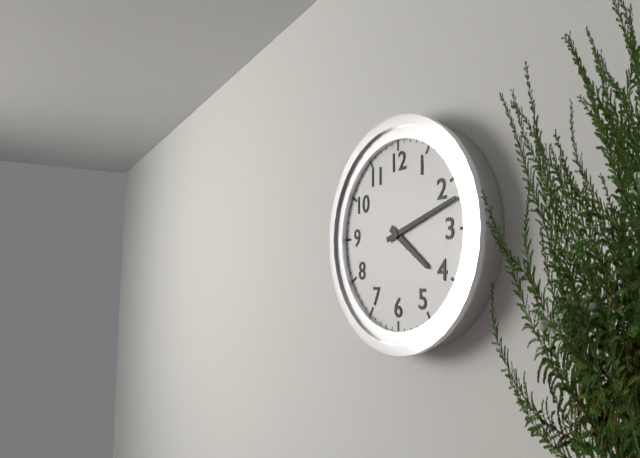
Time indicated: 4:12
